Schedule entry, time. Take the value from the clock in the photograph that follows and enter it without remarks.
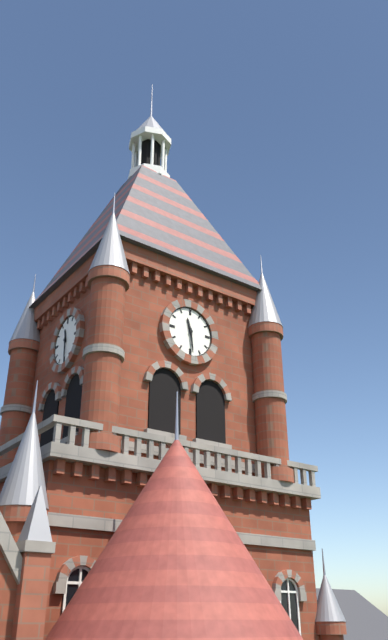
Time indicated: 11:29
